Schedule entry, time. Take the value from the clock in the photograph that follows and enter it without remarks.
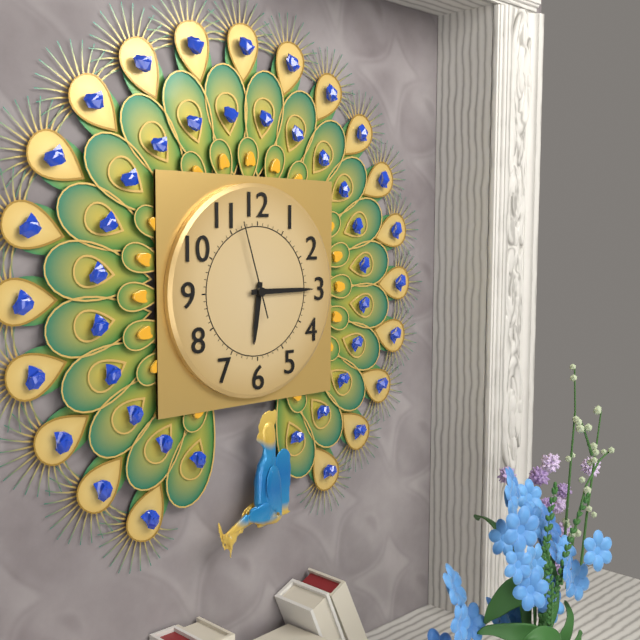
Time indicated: 6:15:57
